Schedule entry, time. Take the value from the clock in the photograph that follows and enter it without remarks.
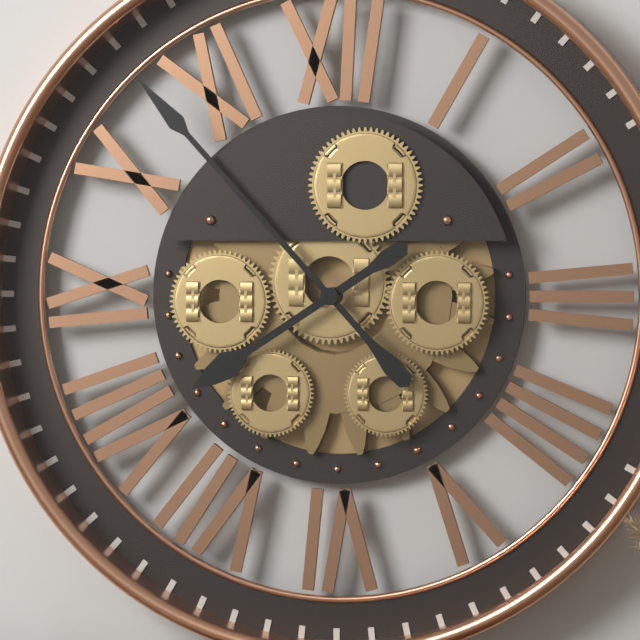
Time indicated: 7:53
